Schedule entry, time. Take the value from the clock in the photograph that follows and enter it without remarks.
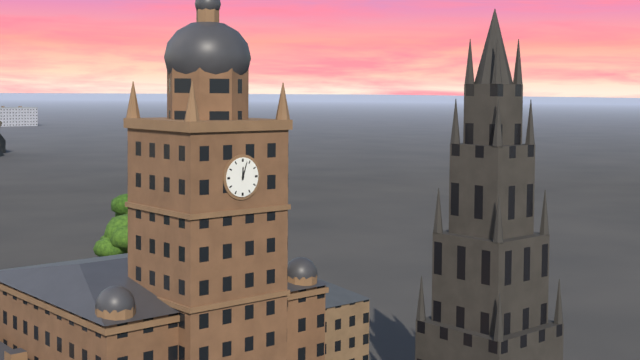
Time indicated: 12:03
